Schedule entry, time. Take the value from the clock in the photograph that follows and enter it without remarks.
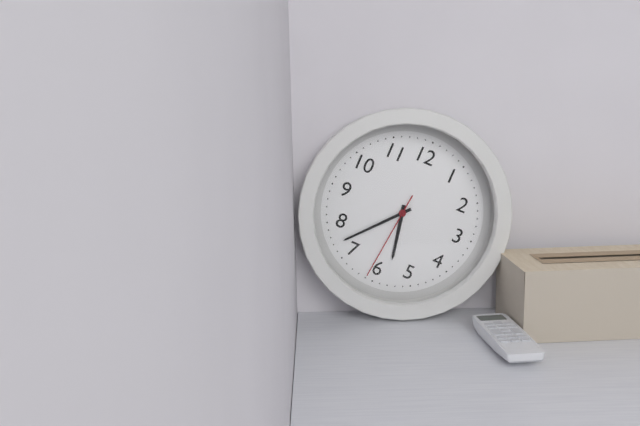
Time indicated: 5:37:31
